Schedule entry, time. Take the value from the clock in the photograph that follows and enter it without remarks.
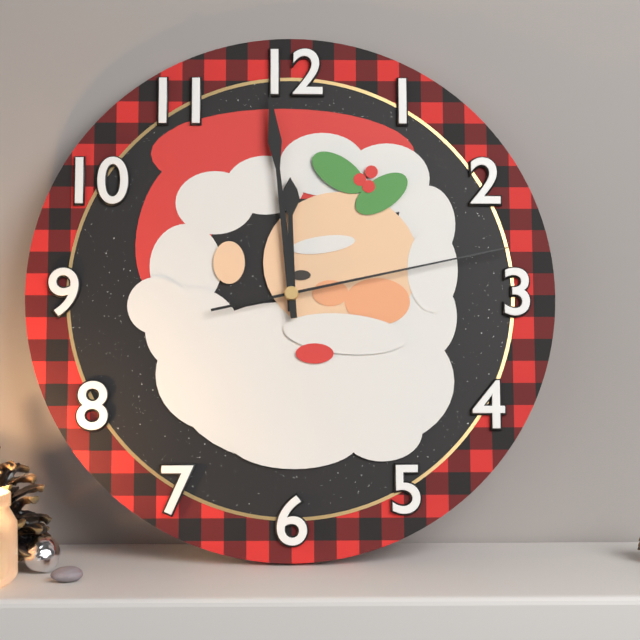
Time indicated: 11:59:13
